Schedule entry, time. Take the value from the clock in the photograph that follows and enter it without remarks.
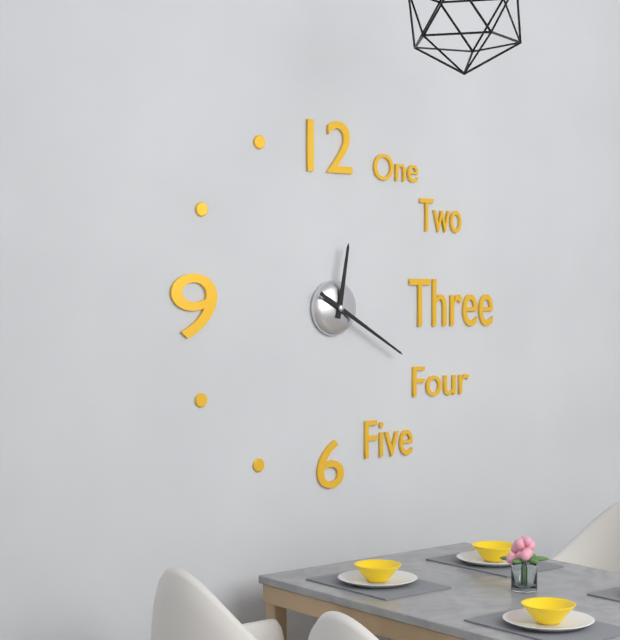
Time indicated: 12:20
